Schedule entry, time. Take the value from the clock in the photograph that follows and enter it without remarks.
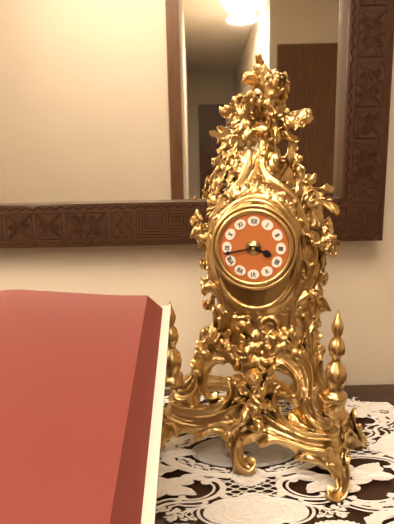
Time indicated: 3:43
